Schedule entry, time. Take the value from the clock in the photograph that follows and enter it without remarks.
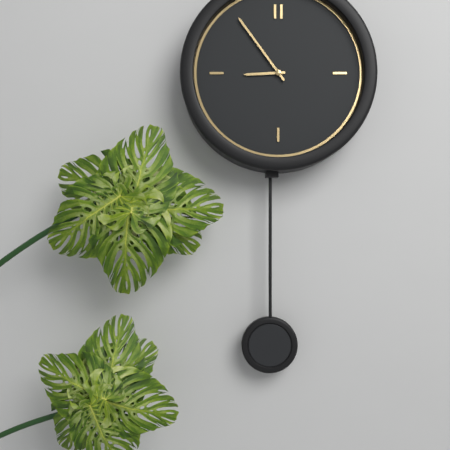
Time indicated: 8:54
